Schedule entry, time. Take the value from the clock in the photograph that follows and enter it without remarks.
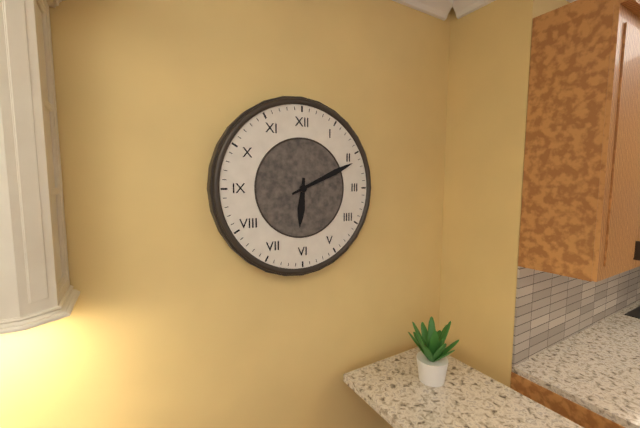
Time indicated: 6:11
